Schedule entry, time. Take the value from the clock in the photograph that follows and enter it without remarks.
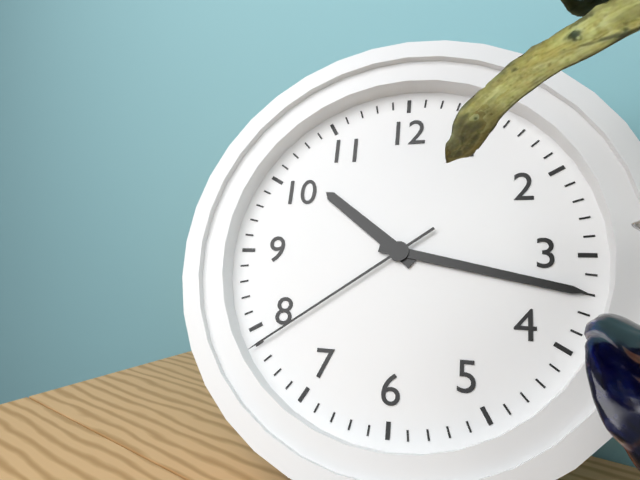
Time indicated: 10:17:39
